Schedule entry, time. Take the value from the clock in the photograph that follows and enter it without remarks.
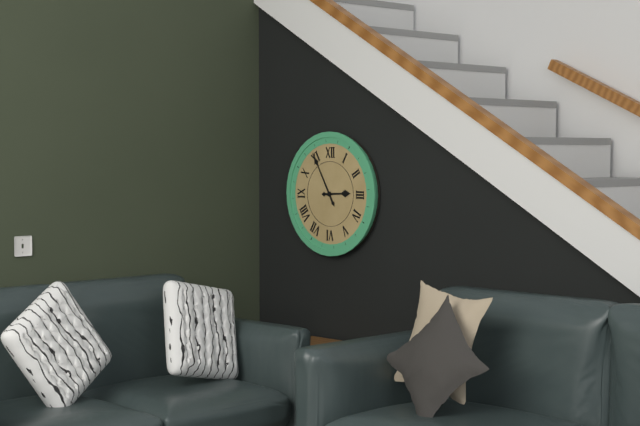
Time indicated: 2:55
